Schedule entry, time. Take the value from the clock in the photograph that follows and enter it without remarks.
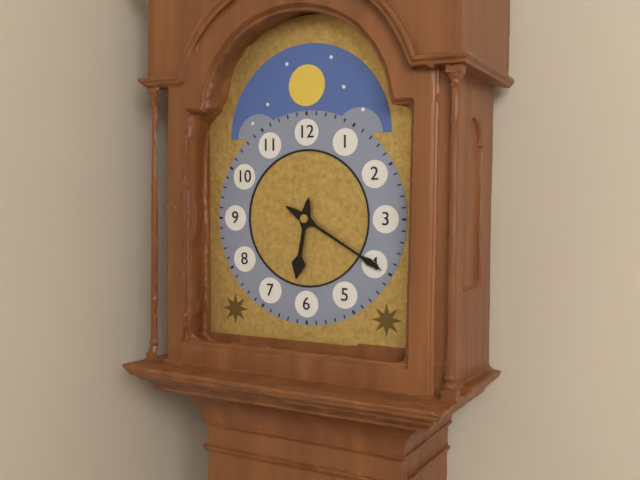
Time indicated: 6:20
